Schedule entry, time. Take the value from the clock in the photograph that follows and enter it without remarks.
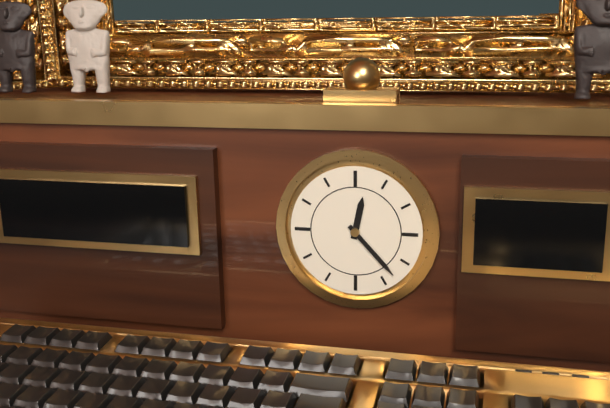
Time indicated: 12:23
